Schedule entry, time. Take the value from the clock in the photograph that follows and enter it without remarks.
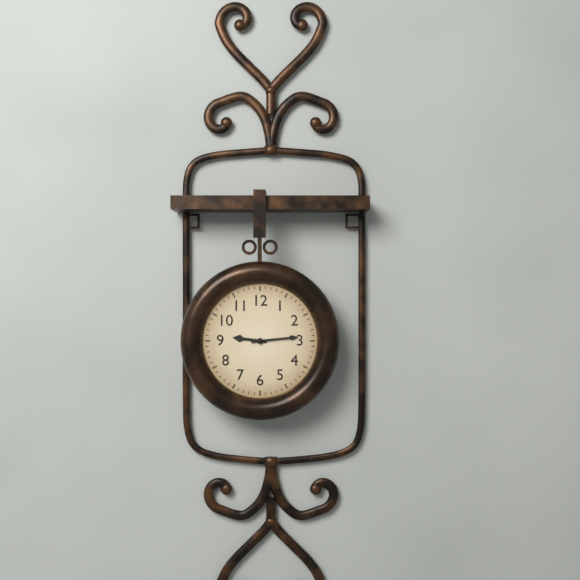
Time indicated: 9:14
